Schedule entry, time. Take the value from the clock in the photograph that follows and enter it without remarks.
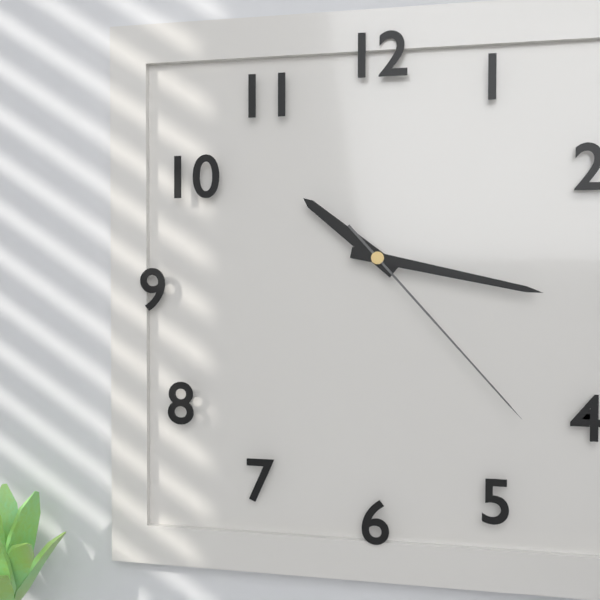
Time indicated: 10:17:23
